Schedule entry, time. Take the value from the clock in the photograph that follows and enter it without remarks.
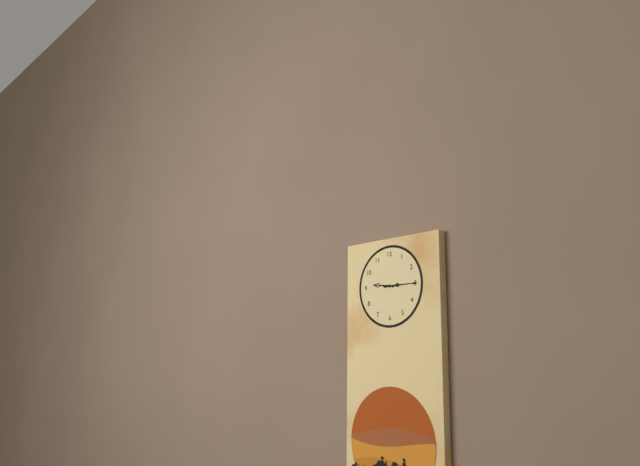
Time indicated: 9:15
